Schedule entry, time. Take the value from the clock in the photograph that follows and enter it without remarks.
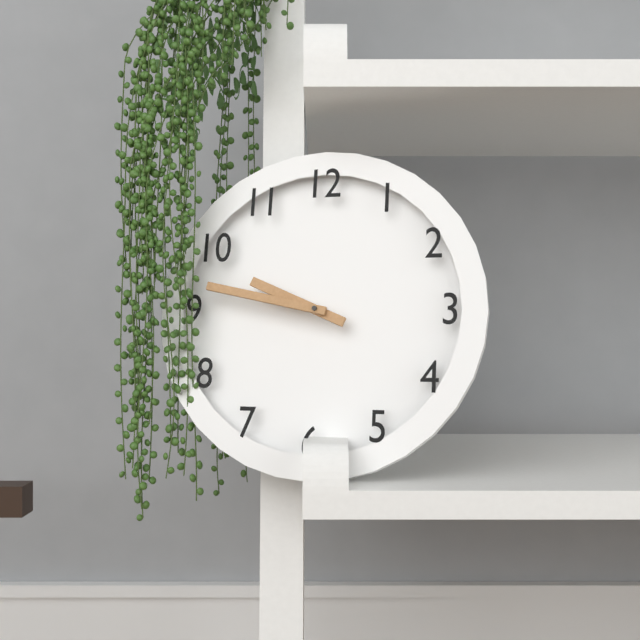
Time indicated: 9:47
